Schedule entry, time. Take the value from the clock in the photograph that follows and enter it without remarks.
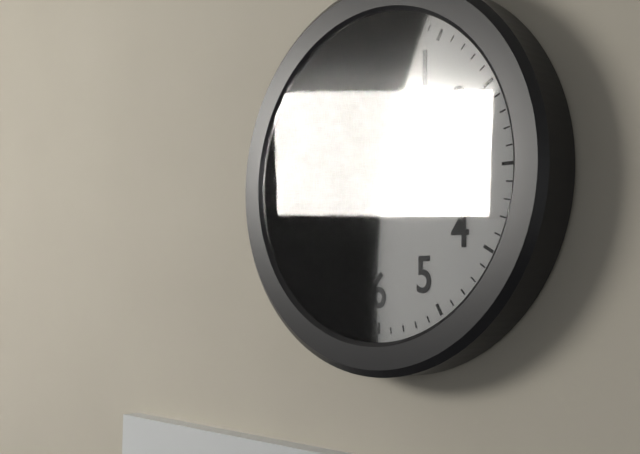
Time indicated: 12:37
